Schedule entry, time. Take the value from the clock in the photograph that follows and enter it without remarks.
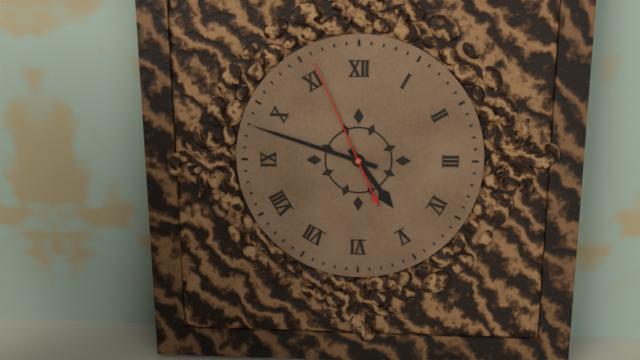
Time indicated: 4:48:56
